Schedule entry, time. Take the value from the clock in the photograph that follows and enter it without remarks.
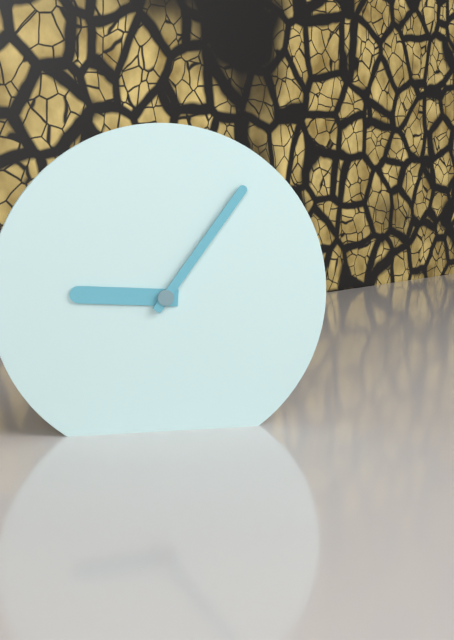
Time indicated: 9:06
